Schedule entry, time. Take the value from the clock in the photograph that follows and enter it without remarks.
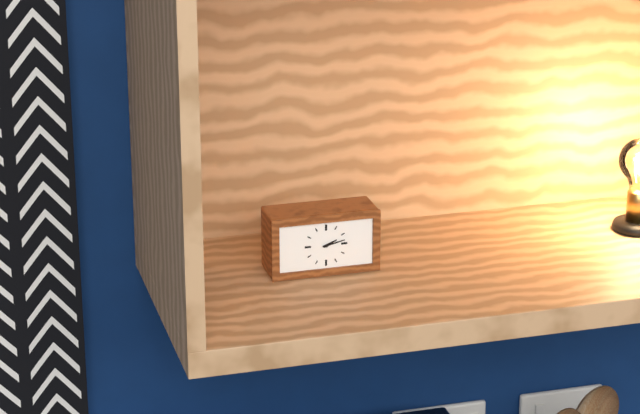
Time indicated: 2:13
